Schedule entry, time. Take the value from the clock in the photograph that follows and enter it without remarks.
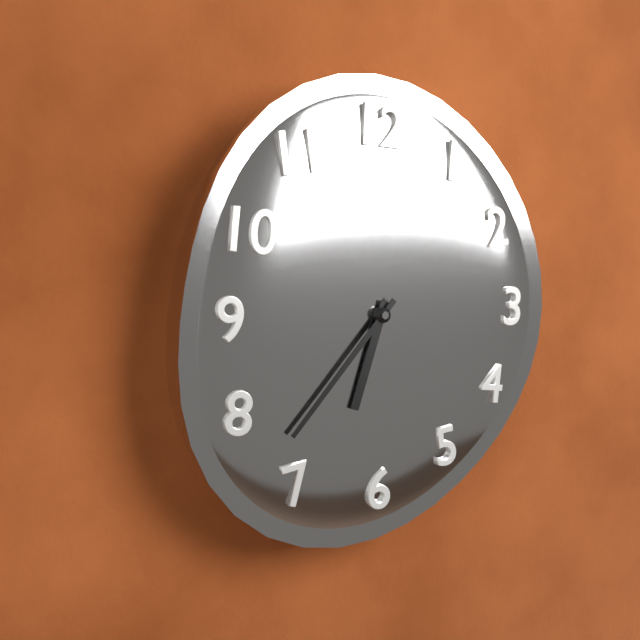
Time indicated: 6:37
